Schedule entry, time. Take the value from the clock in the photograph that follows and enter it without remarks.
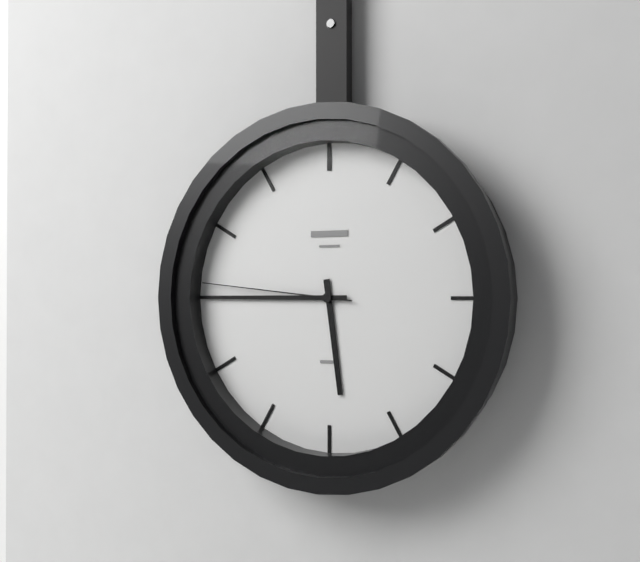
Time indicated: 5:45:46
